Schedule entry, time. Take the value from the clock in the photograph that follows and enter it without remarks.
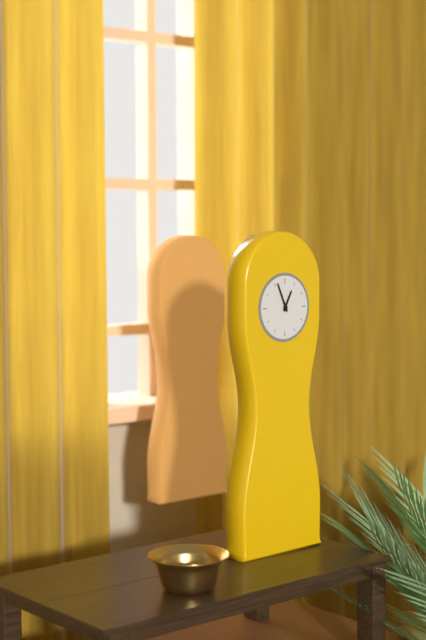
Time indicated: 12:56
